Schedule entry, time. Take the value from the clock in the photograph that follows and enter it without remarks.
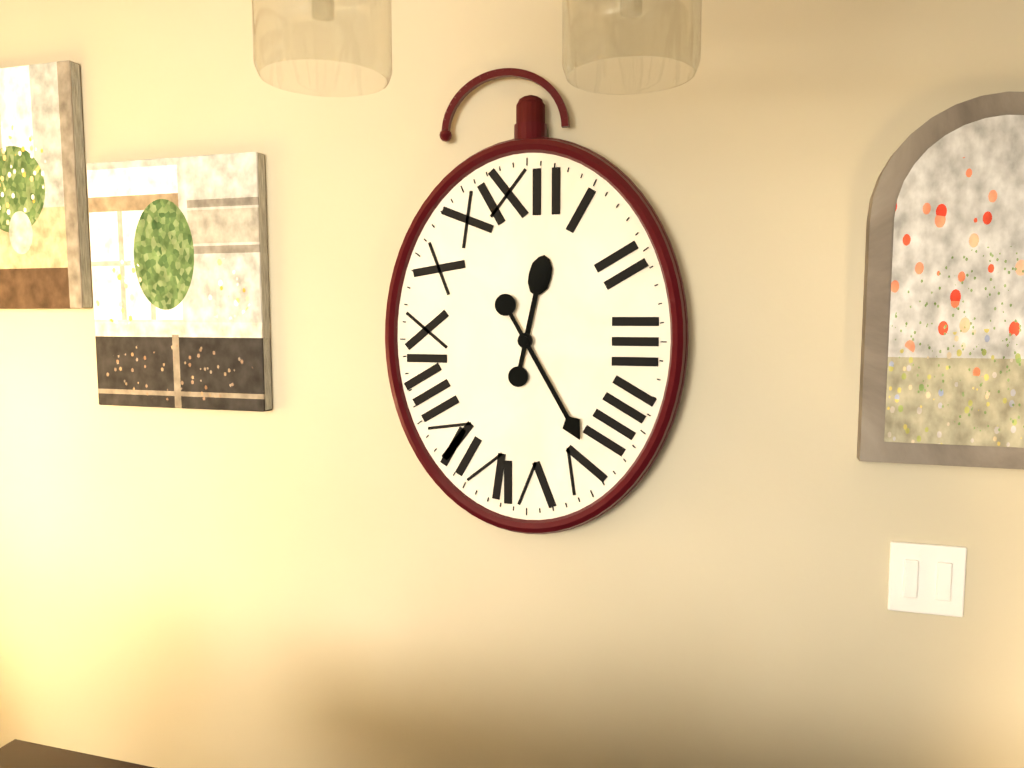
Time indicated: 12:25
